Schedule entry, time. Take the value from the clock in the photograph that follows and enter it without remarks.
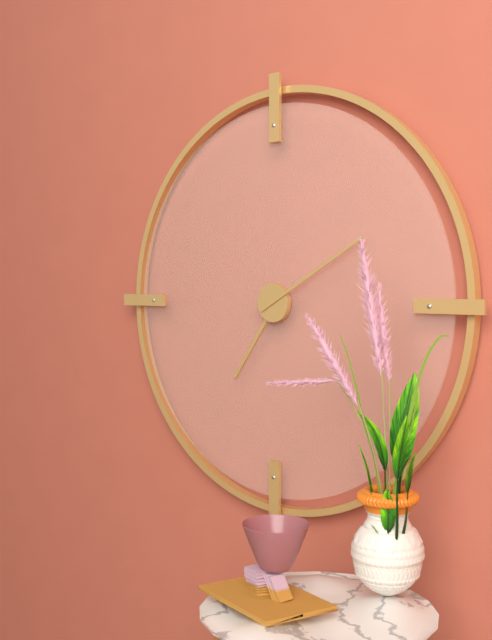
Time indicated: 7:10
